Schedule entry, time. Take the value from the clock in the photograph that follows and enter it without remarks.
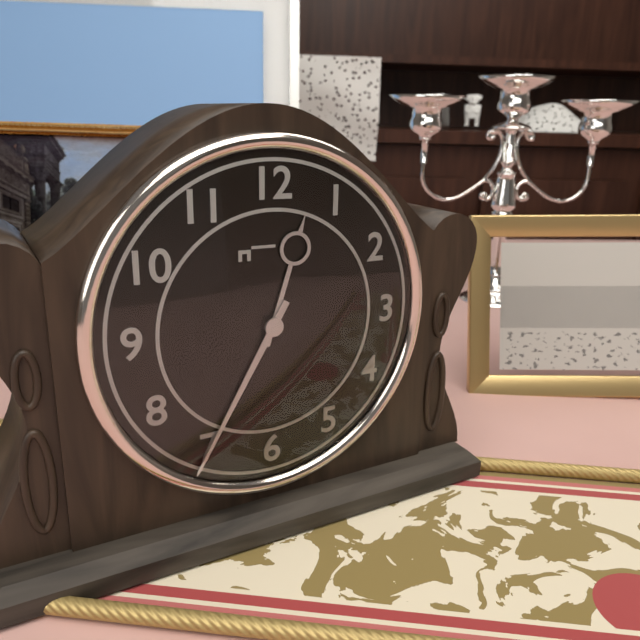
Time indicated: 12:35
